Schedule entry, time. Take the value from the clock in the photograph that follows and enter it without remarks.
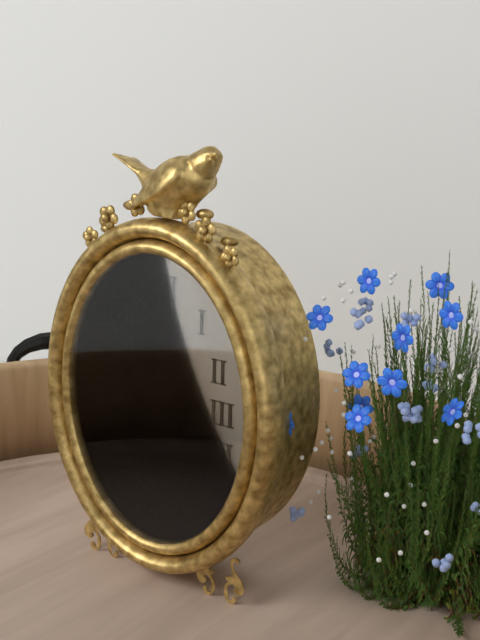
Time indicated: 6:22:58
